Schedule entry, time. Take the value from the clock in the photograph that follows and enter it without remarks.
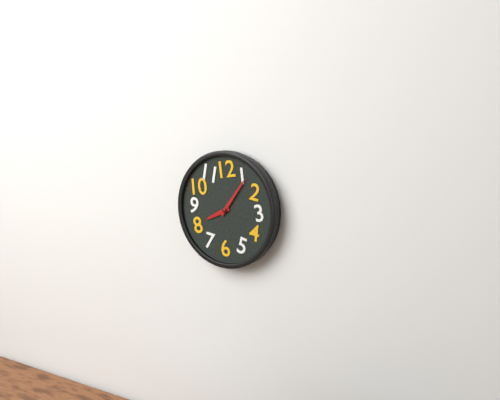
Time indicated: 8:06
